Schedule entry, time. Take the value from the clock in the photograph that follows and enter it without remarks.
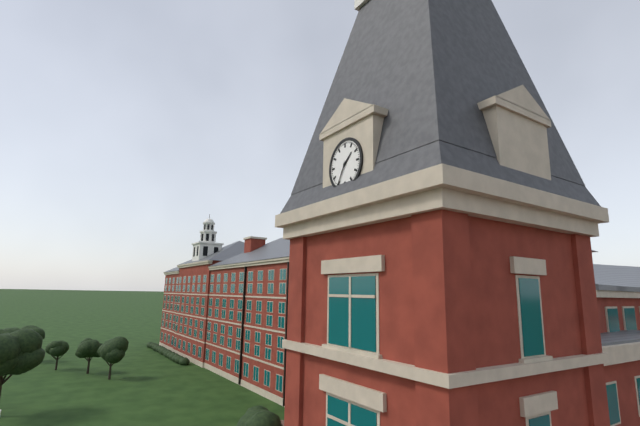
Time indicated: 1:35
